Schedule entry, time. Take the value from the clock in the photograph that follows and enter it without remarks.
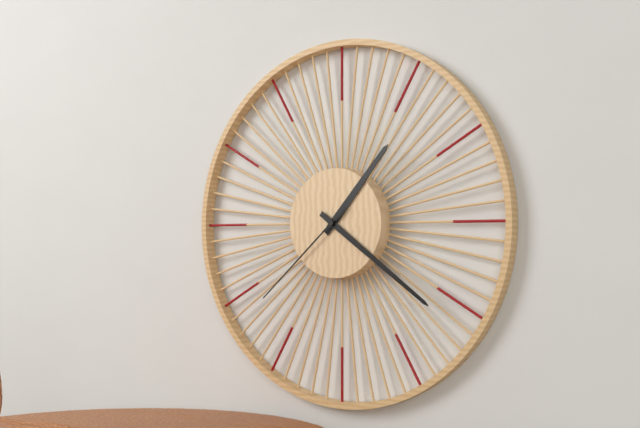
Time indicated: 1:21:38
